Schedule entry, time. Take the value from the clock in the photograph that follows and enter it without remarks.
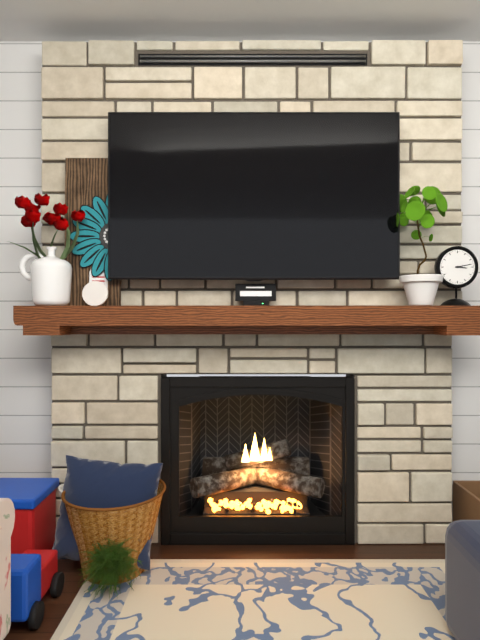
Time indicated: 3:13
